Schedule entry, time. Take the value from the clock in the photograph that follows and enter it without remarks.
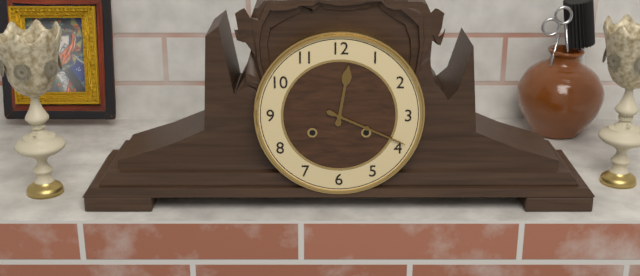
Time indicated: 12:19
